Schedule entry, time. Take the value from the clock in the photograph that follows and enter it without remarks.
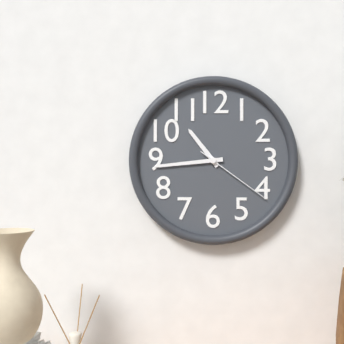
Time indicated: 10:44:21
